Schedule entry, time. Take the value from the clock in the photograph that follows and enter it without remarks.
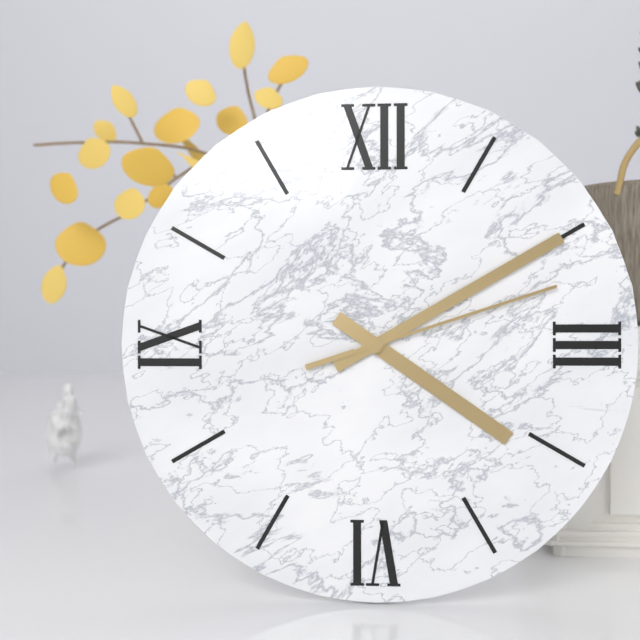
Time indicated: 4:10:12
